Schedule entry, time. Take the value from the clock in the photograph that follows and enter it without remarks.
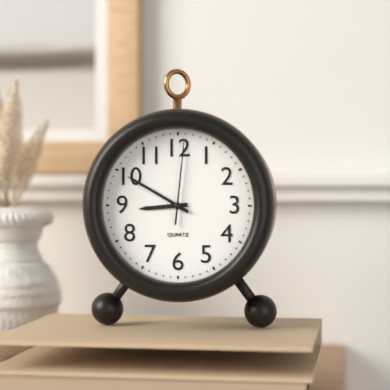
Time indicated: 8:50:01
